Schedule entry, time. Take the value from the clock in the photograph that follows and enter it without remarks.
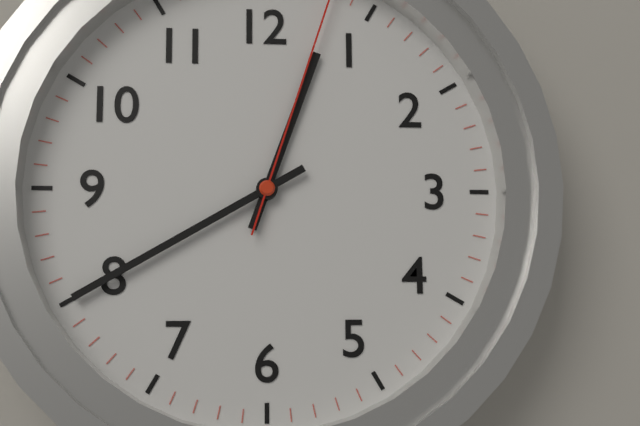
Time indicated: 12:40
